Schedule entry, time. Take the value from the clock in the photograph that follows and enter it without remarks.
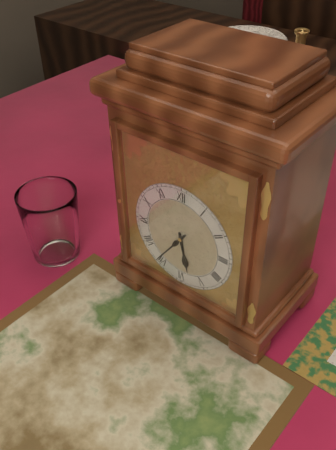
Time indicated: 5:36
